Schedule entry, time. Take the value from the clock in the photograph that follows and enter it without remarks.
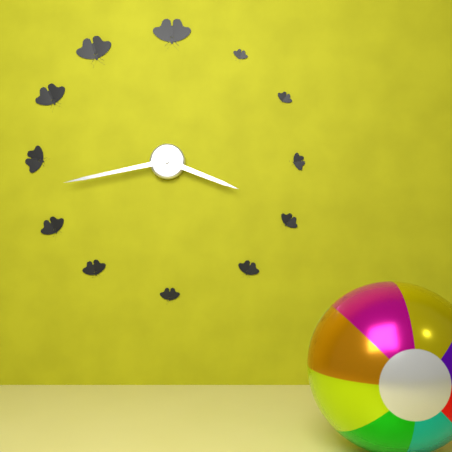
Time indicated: 3:43
